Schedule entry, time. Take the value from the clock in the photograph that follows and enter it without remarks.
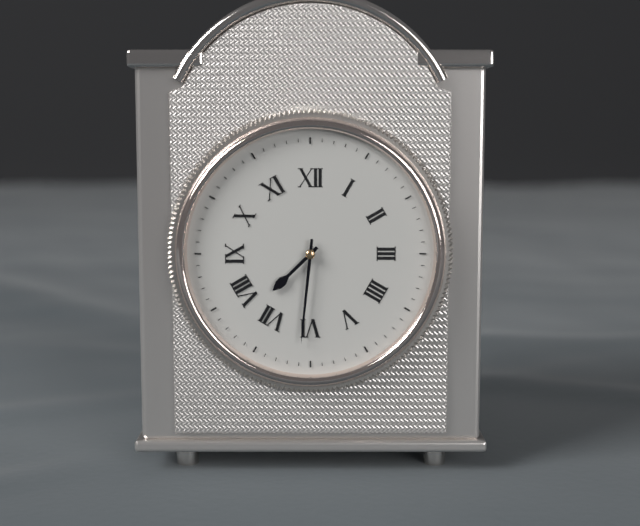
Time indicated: 7:31
